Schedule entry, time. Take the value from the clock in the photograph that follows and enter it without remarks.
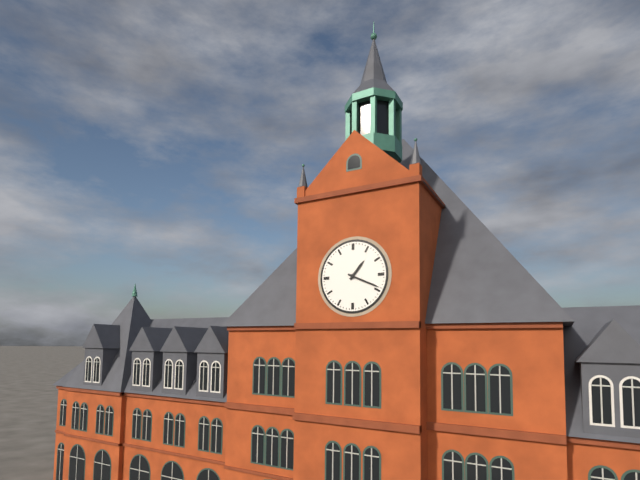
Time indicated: 1:19
